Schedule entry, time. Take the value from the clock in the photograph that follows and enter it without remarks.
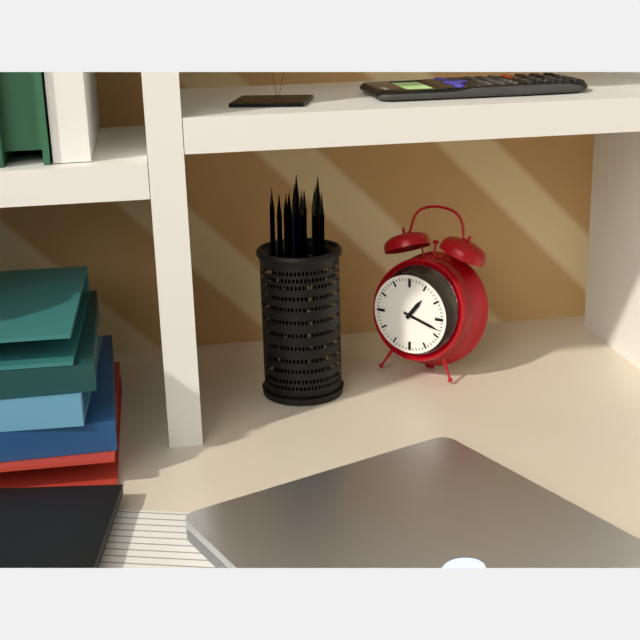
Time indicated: 1:18
